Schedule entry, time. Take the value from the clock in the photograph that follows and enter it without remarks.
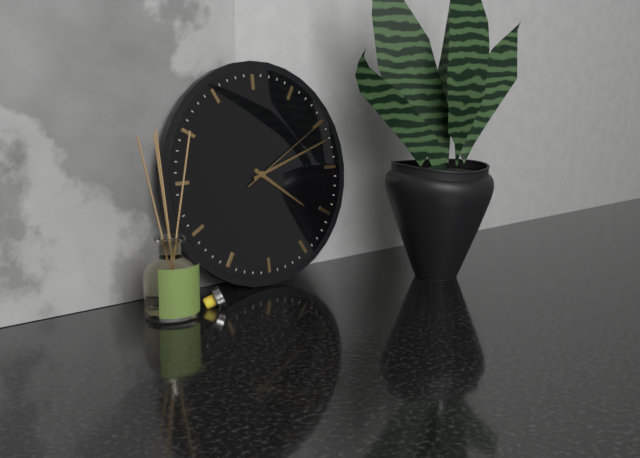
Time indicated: 4:12:10
